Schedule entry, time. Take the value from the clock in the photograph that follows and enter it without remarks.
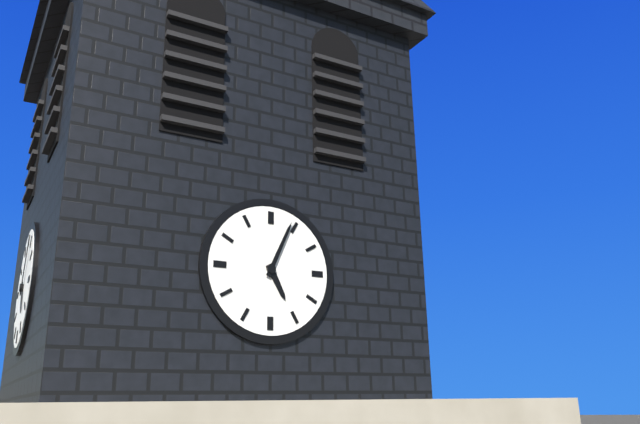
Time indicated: 5:04
